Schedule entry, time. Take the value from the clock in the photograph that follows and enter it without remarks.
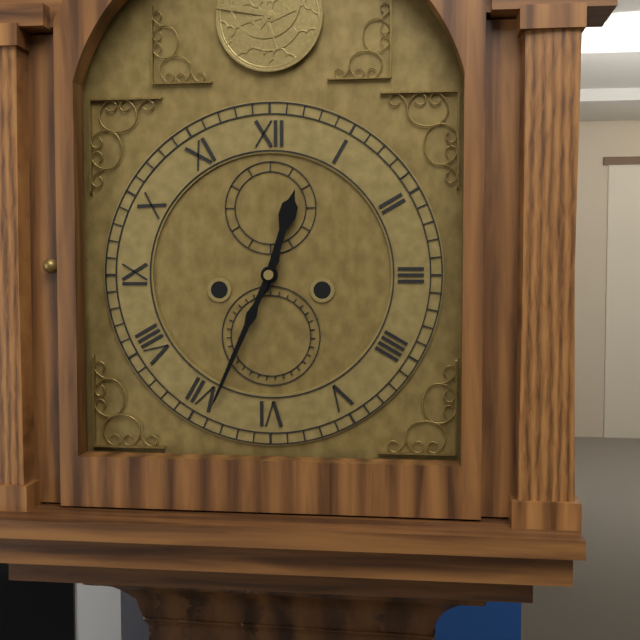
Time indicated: 12:34
